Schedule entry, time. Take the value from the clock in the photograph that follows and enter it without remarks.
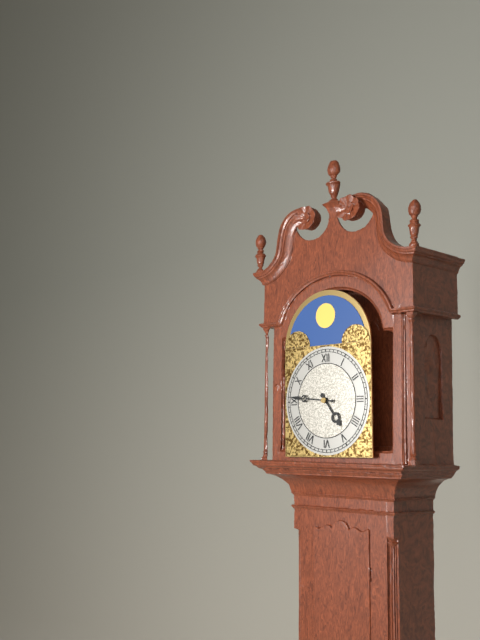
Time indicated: 4:46
